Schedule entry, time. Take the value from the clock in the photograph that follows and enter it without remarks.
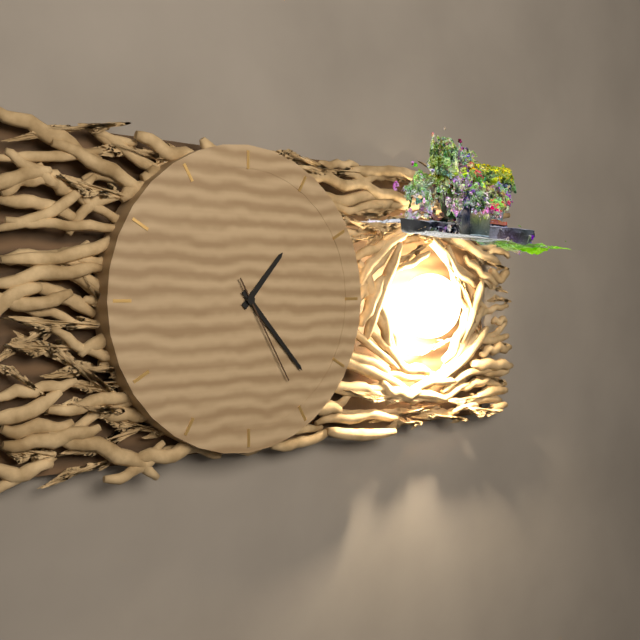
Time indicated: 1:23:25
